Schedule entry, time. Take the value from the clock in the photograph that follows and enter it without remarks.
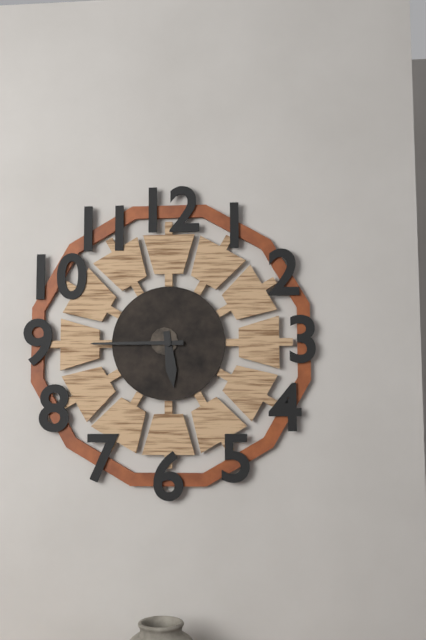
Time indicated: 5:45
